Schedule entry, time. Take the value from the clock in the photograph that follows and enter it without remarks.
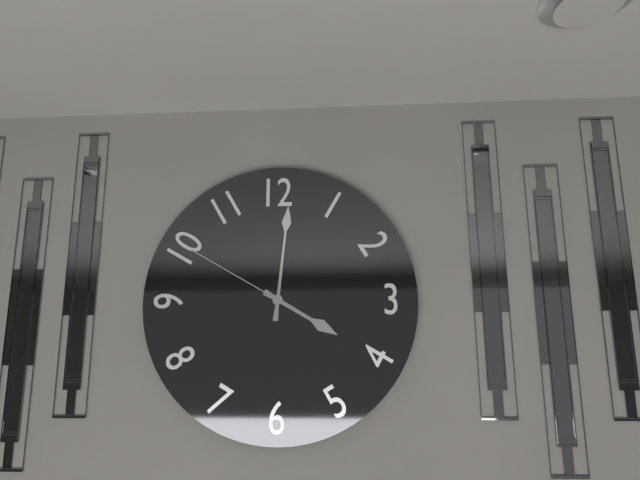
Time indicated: 4:01:50
